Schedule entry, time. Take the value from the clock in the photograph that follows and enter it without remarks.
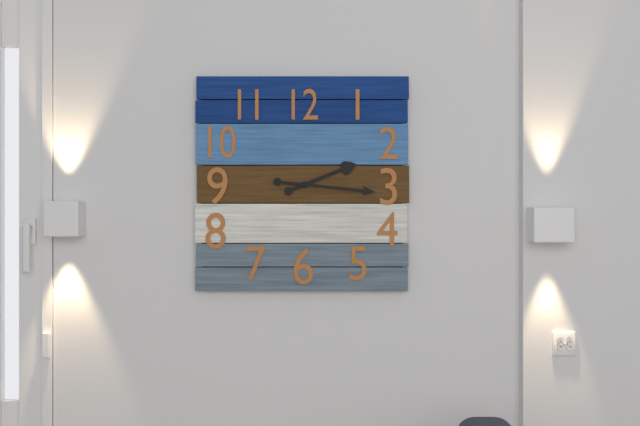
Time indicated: 2:16
